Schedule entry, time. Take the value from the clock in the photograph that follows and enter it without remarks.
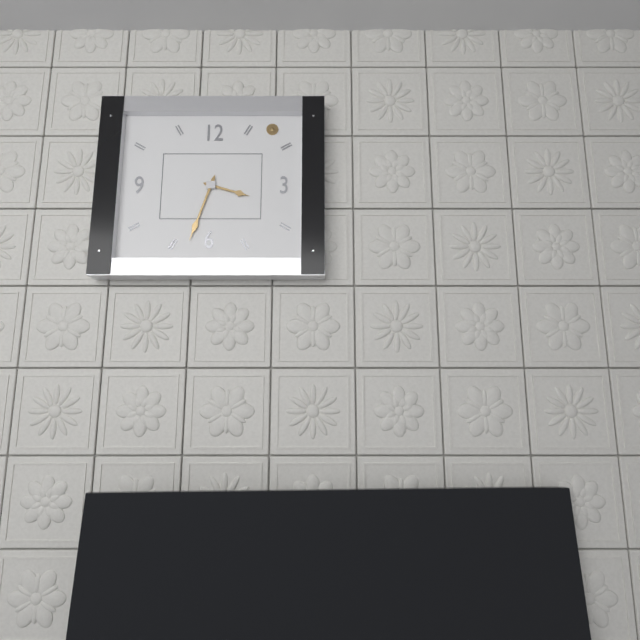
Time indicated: 3:33
